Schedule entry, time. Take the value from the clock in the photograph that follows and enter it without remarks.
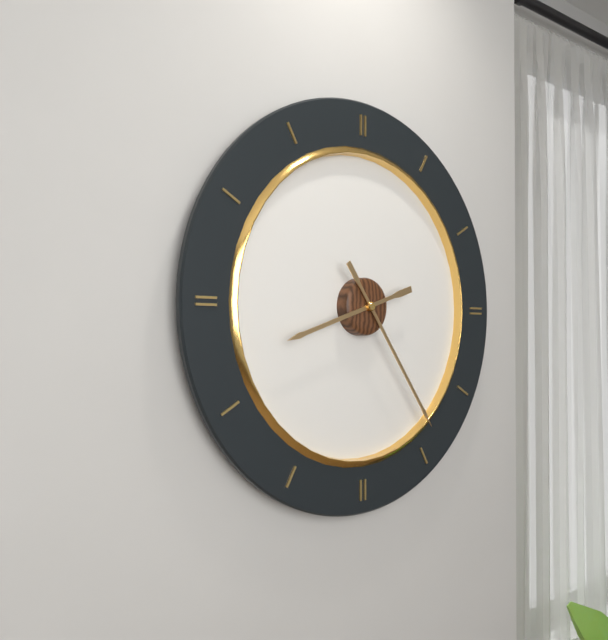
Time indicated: 8:24
